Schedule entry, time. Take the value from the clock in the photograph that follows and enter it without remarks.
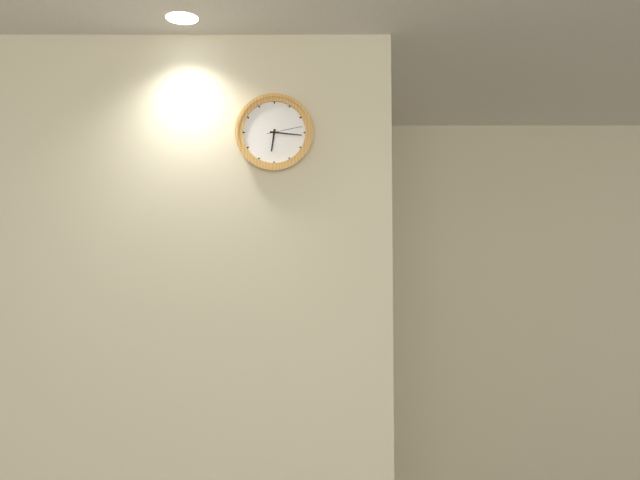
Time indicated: 6:16
